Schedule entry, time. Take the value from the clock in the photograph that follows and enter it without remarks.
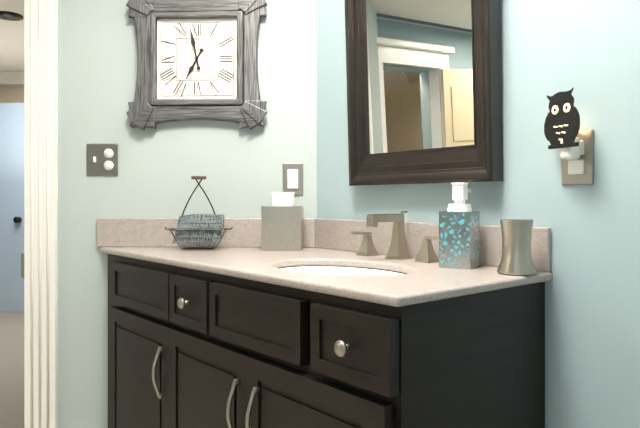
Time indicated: 6:58
